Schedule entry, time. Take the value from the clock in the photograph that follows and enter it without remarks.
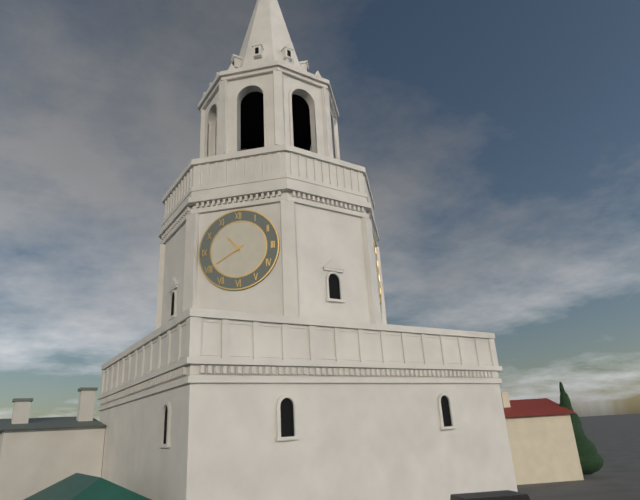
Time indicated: 10:40
